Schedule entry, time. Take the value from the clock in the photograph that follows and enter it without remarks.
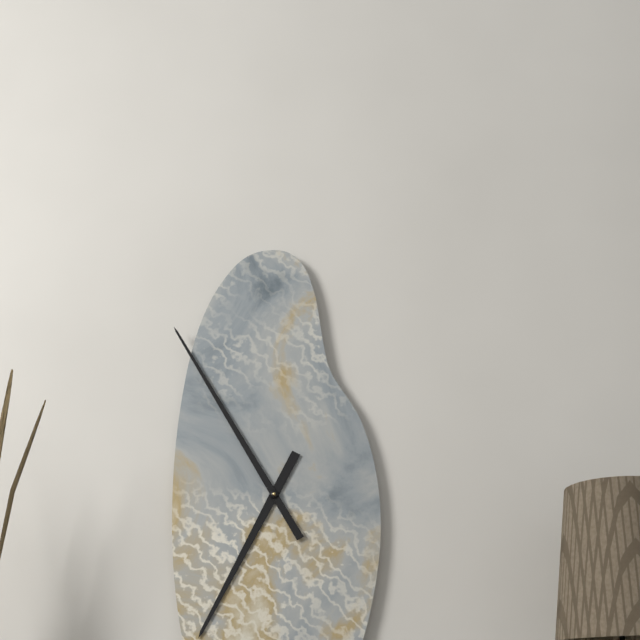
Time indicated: 6:55
